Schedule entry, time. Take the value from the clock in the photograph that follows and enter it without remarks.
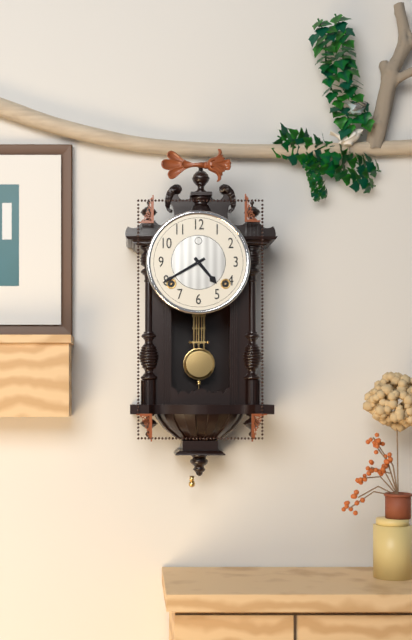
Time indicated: 4:40
